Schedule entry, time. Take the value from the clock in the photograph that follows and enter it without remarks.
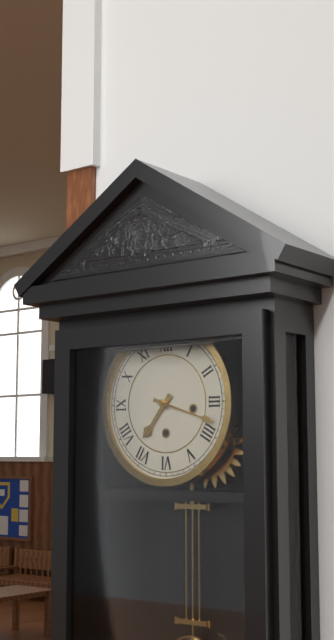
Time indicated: 7:18
